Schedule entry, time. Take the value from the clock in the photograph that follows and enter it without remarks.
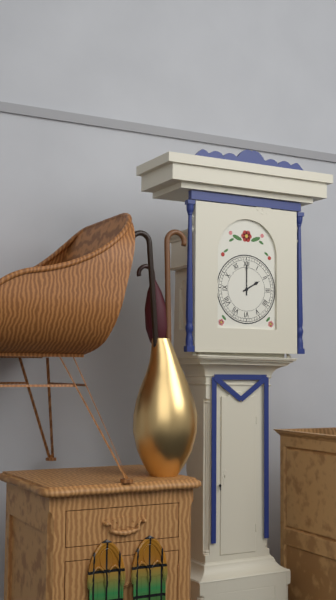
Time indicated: 2:00
